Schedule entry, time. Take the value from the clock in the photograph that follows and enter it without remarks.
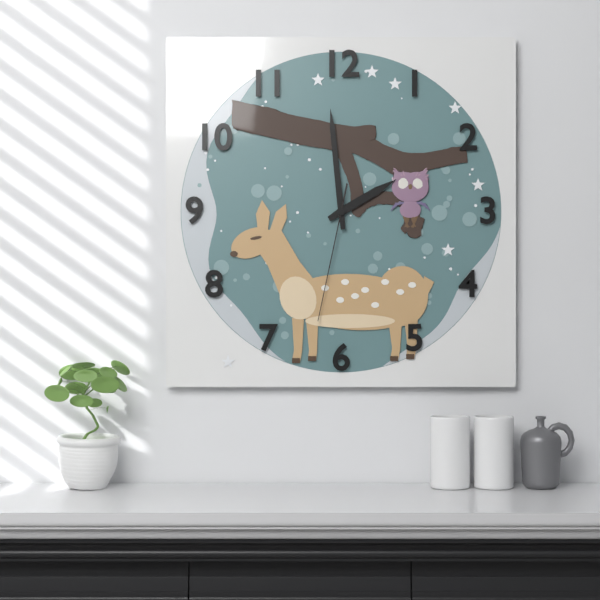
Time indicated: 1:59:32
